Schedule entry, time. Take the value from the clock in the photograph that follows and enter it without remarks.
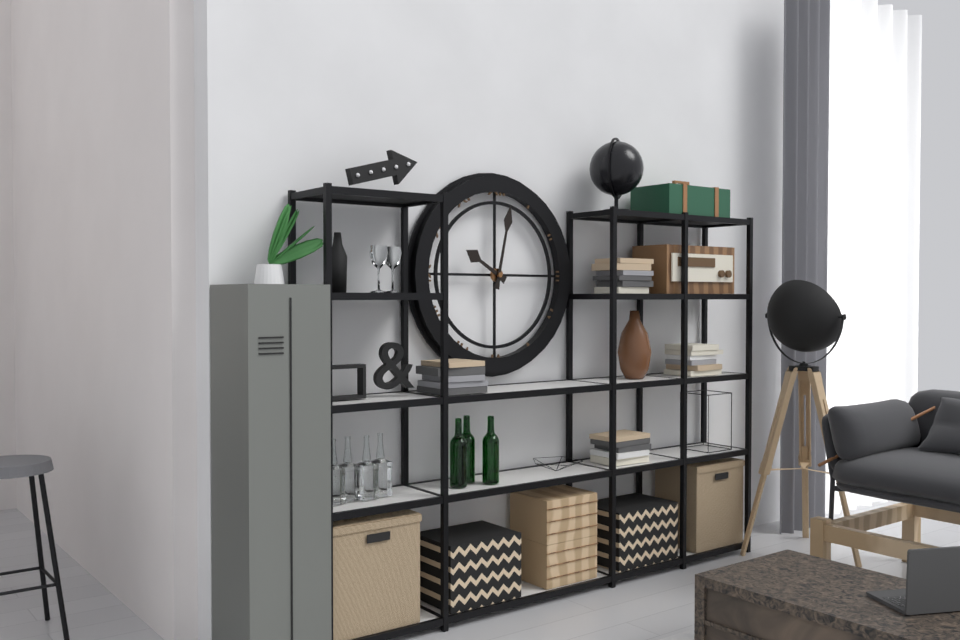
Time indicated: 10:02
